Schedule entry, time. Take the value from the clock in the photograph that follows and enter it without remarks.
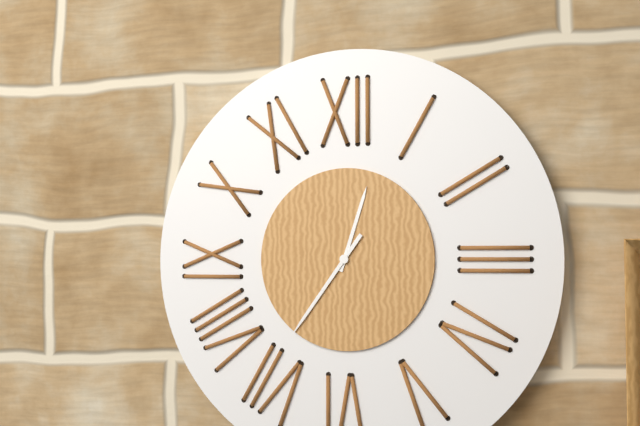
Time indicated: 12:36
